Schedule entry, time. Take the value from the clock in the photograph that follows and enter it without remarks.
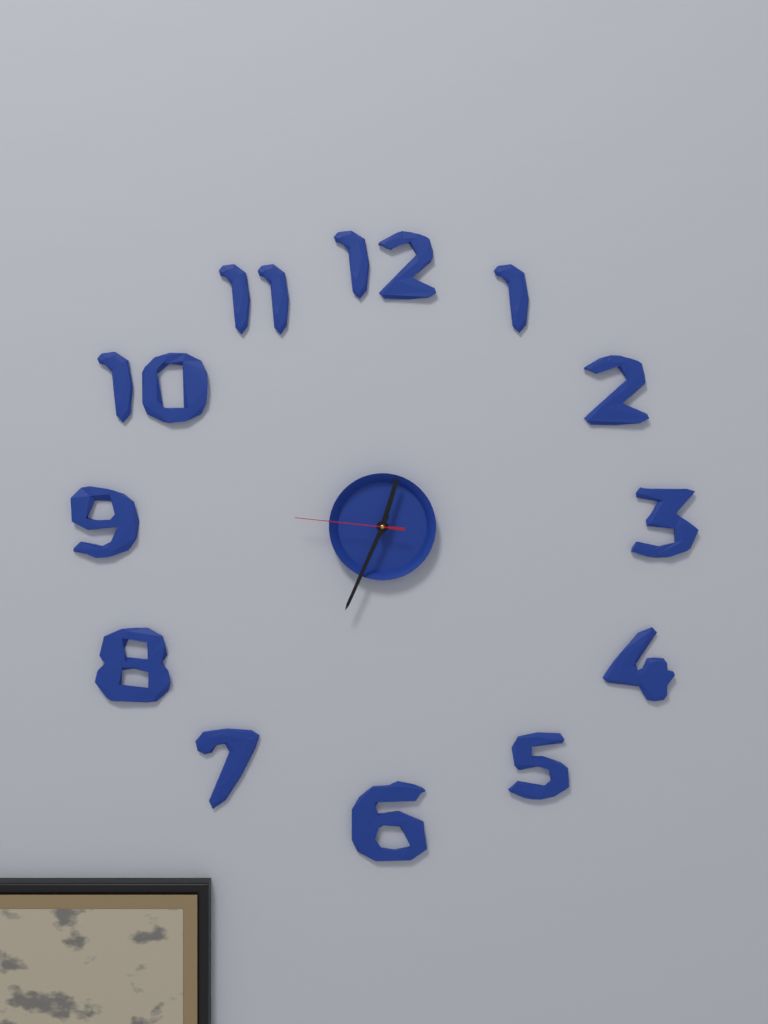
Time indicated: 12:34:46
